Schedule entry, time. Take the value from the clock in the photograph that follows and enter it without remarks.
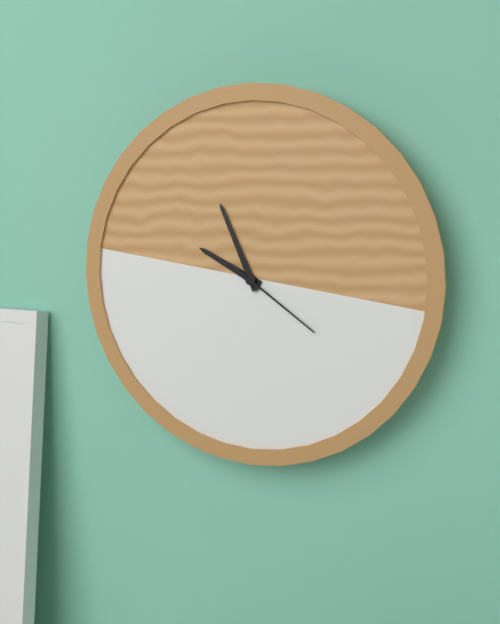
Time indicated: 9:56:21
